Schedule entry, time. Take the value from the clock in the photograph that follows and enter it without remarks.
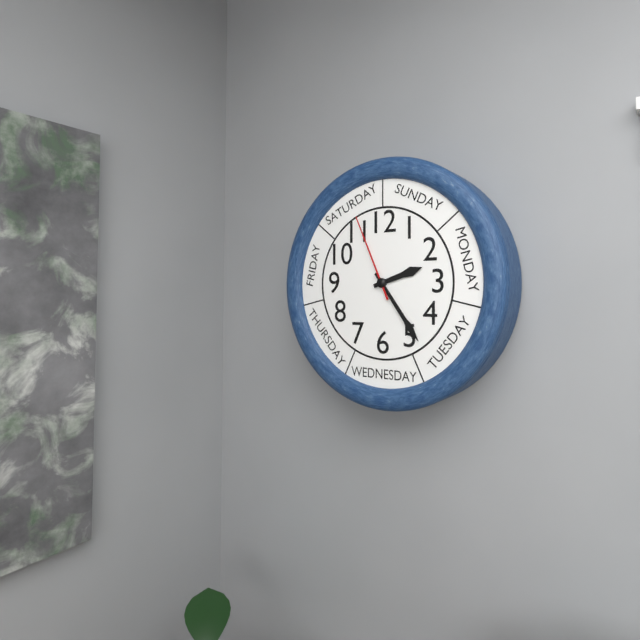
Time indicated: 2:24:56
